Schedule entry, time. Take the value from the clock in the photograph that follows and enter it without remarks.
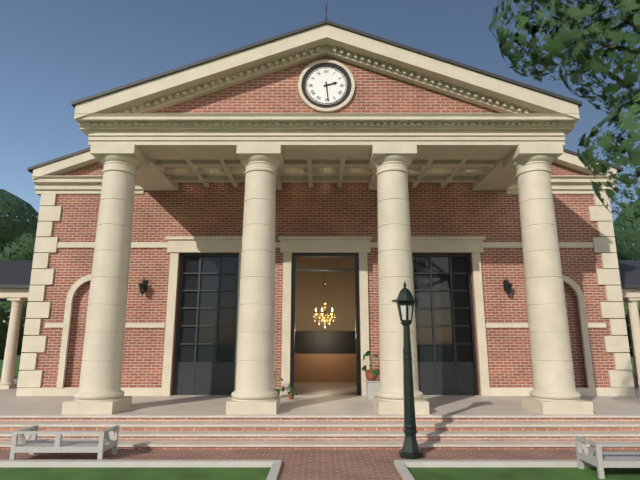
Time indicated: 2:29
